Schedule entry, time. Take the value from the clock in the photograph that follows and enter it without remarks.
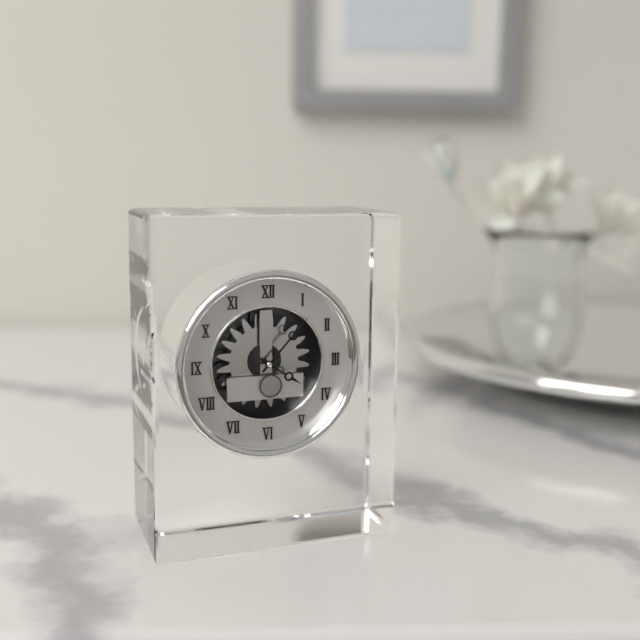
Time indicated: 4:07
